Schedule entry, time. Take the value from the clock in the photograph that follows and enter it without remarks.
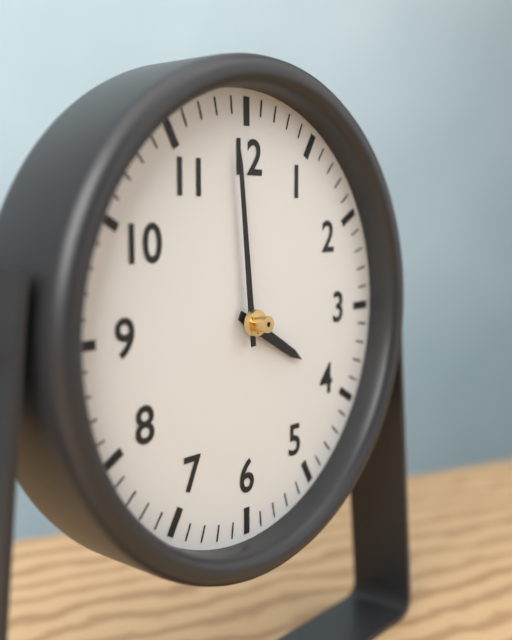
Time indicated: 3:59
